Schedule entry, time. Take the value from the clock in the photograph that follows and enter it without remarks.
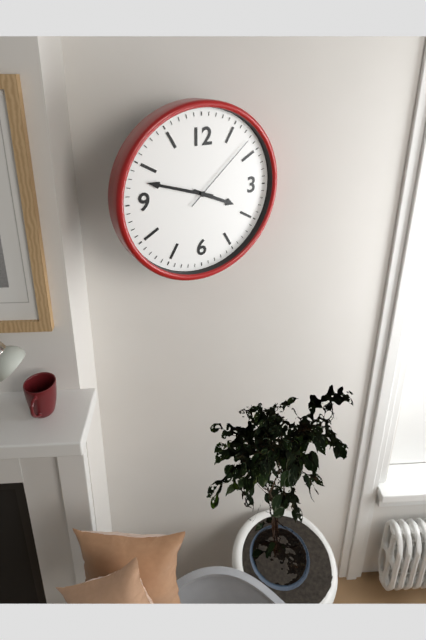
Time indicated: 3:48:08
